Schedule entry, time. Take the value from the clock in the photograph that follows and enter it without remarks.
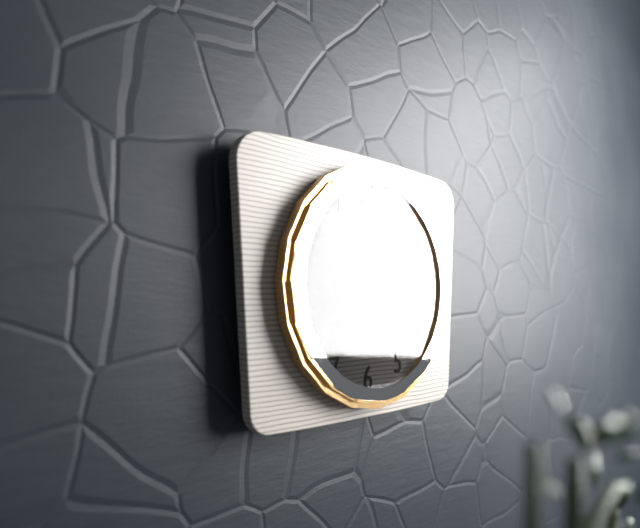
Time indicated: 4:22
